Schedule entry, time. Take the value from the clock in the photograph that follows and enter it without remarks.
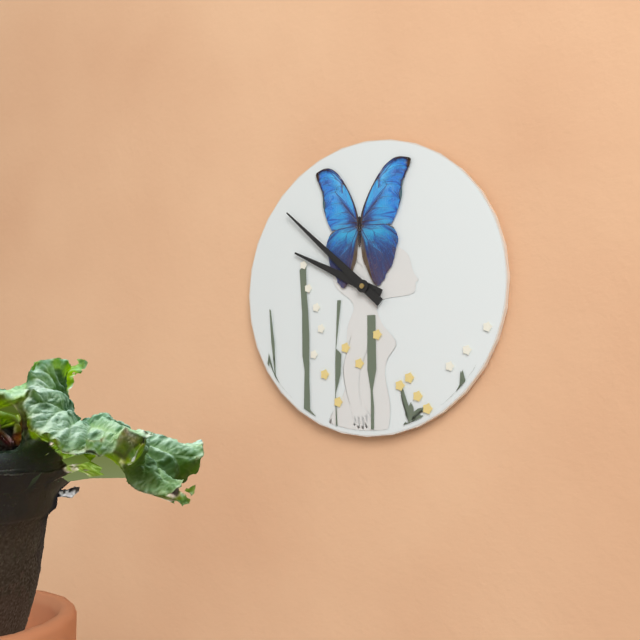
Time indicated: 9:52
